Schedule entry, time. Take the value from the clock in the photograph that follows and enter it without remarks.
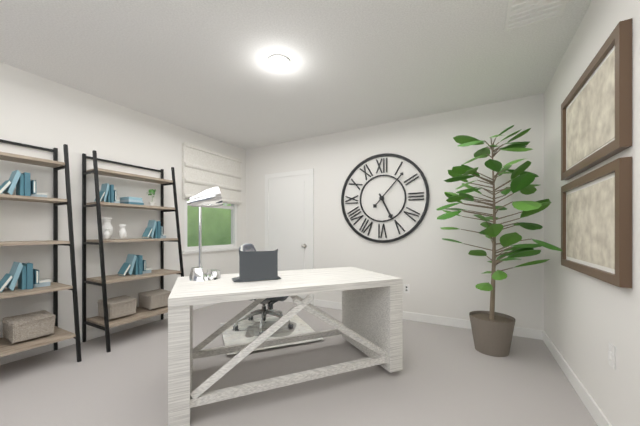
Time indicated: 5:07
